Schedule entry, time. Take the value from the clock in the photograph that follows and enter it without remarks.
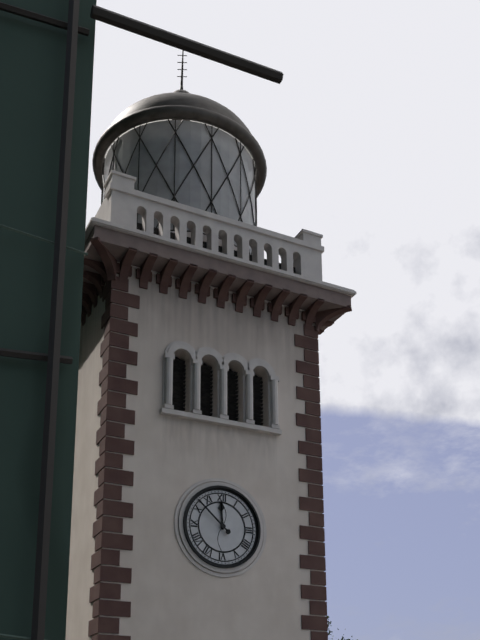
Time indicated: 11:52
